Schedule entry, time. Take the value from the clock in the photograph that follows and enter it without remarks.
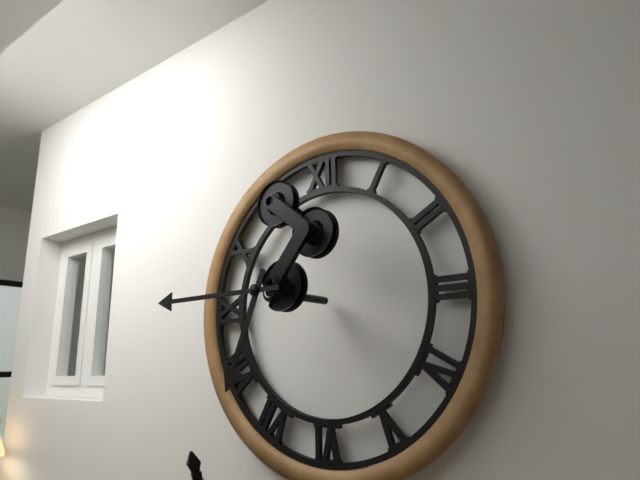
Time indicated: 6:45
